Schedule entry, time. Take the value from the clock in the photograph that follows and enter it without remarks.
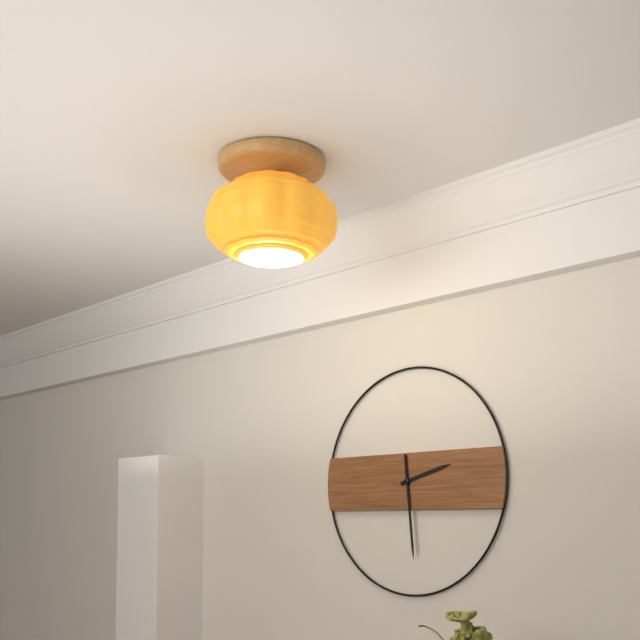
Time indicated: 2:29
